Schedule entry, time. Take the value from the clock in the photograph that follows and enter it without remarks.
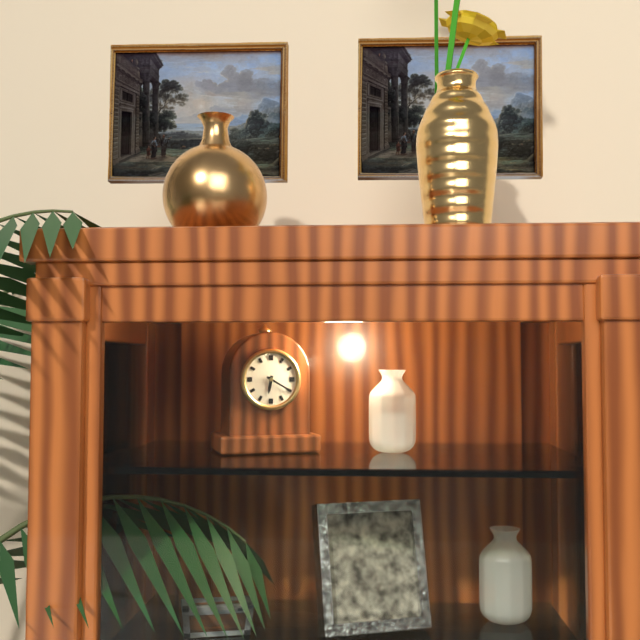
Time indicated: 6:20
